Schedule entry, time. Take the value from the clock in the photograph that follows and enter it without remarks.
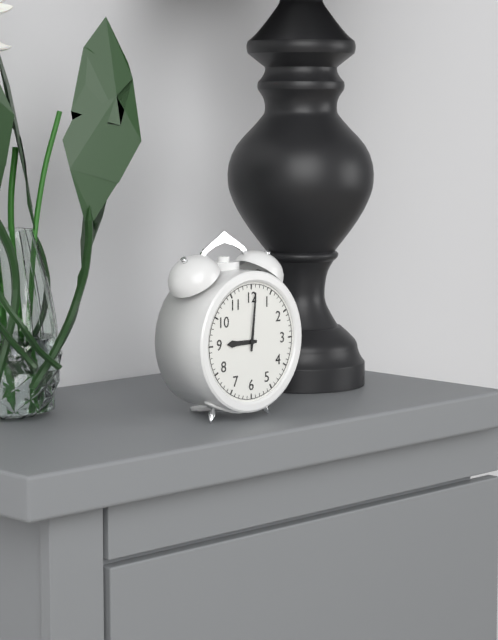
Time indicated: 9:01
